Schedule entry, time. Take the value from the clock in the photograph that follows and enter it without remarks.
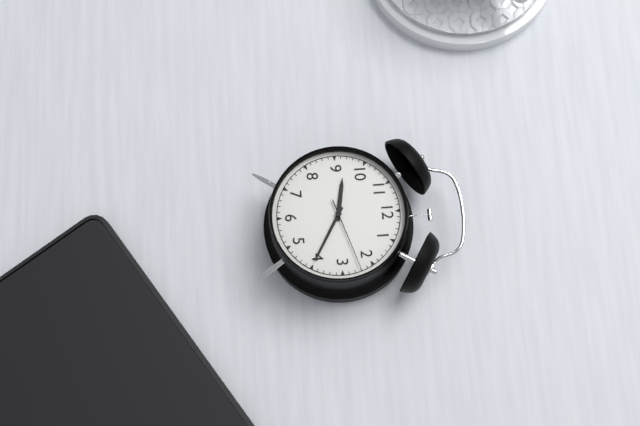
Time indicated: 9:20:12
